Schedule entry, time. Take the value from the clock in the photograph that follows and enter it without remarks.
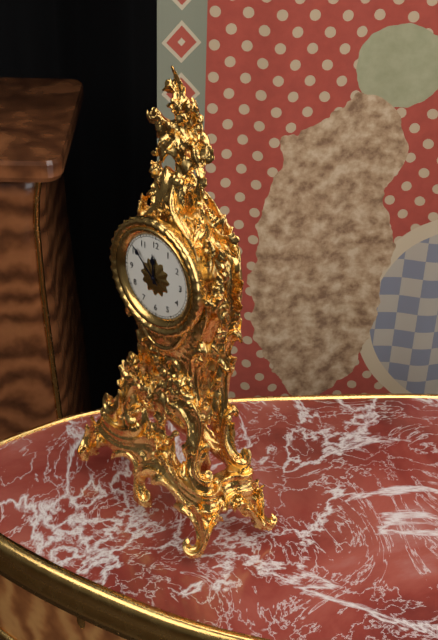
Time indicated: 11:52
